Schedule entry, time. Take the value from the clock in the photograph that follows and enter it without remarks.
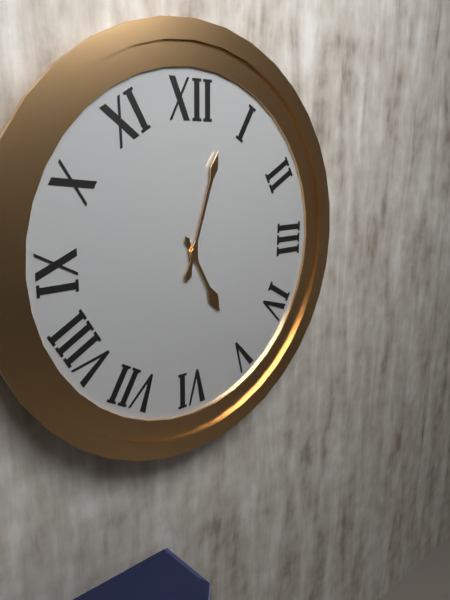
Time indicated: 5:03
